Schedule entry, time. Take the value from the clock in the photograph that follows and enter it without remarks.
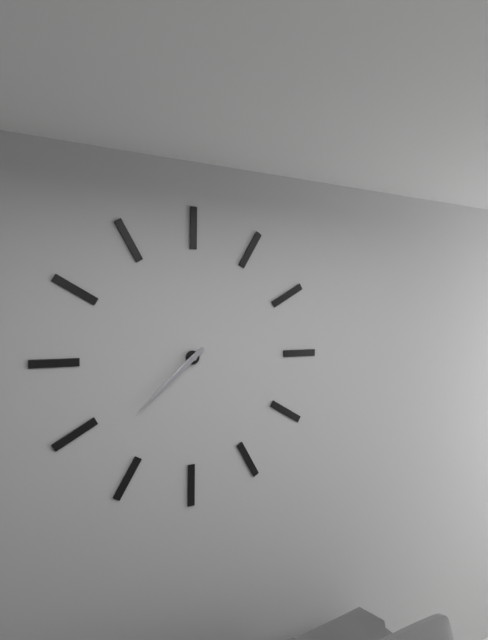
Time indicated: 7:38
